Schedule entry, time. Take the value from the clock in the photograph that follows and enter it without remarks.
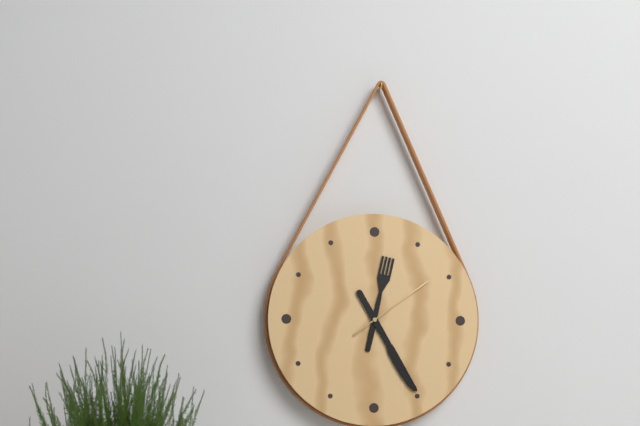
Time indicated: 12:25:09
